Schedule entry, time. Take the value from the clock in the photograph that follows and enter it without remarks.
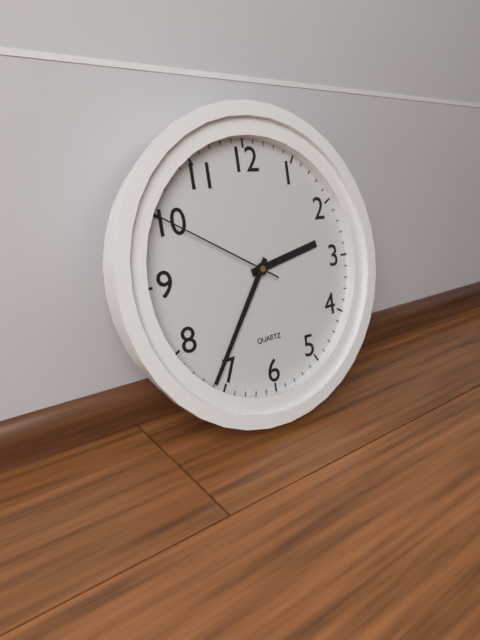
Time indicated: 2:36:50
